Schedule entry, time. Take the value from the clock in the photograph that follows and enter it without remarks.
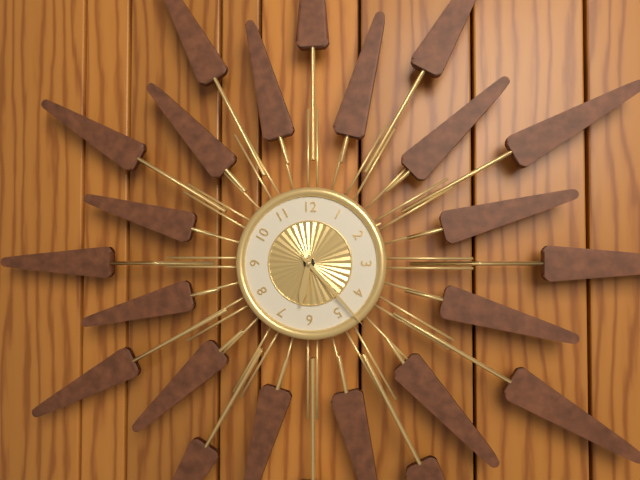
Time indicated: 6:23
